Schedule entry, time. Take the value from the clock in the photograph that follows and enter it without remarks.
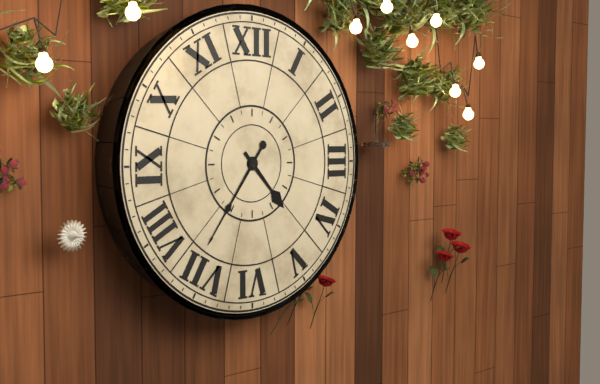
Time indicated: 4:36
